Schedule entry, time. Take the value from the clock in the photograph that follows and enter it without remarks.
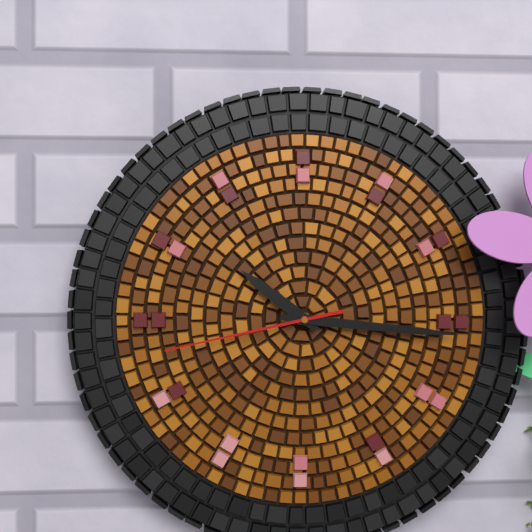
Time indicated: 10:16:43
